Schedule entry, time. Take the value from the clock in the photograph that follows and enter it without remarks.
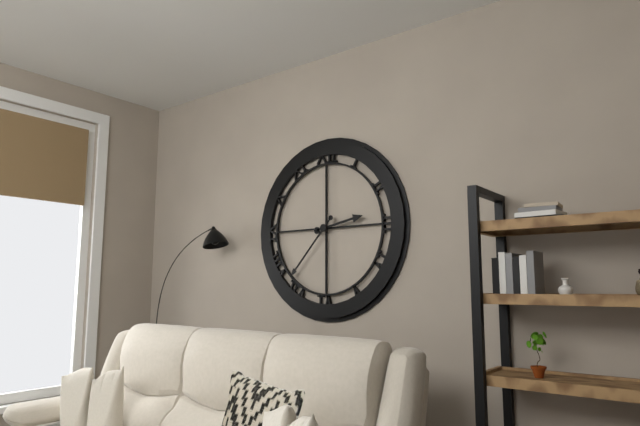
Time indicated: 2:37
